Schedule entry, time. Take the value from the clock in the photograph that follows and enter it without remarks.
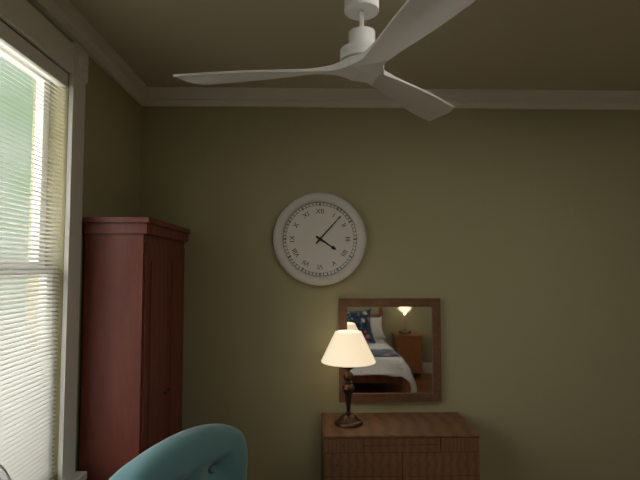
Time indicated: 4:07
